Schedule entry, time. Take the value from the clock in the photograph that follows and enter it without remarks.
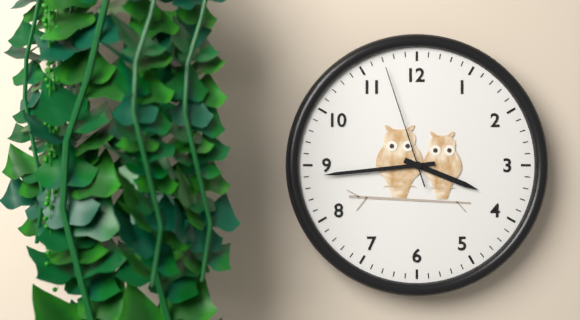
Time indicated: 3:44:57
